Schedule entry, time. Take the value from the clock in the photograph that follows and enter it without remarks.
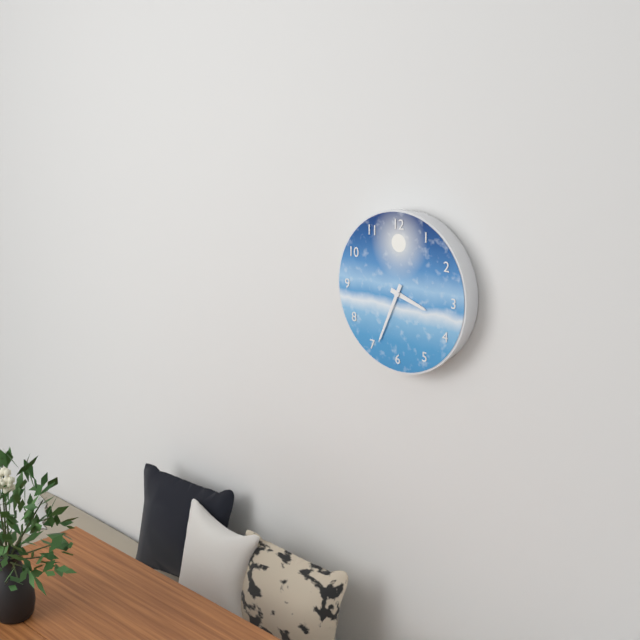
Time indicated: 3:34
